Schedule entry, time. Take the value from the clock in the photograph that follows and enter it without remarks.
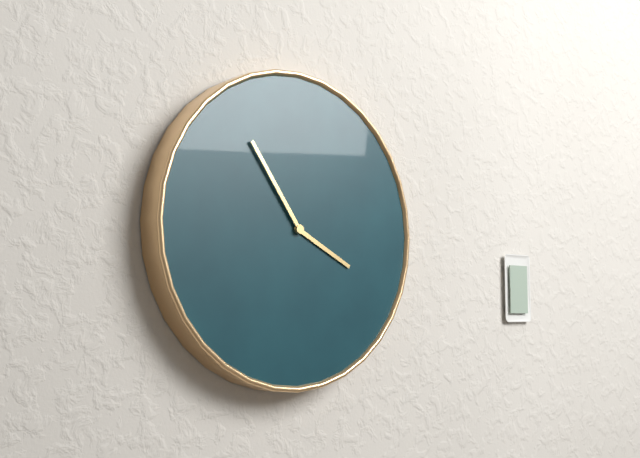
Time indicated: 3:54
